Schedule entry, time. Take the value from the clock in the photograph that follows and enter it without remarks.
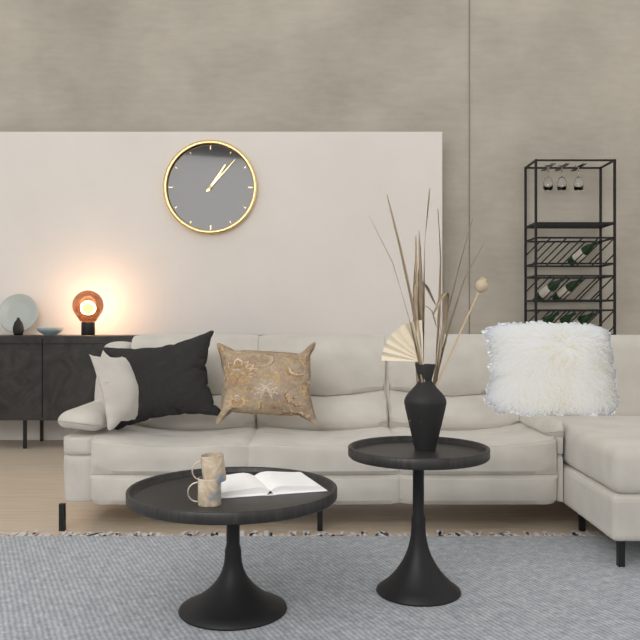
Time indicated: 1:07
